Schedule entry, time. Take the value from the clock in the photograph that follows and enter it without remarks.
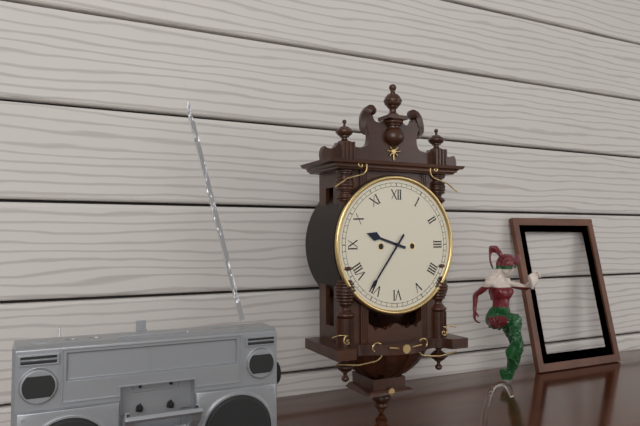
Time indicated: 9:36
